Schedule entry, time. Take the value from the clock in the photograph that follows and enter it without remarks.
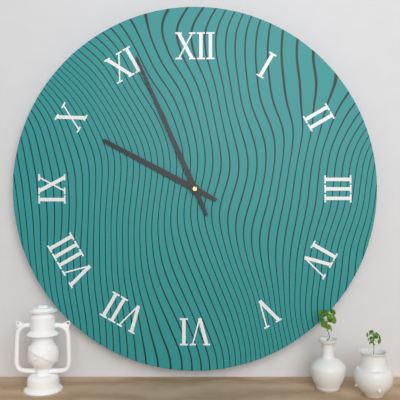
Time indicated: 9:56
